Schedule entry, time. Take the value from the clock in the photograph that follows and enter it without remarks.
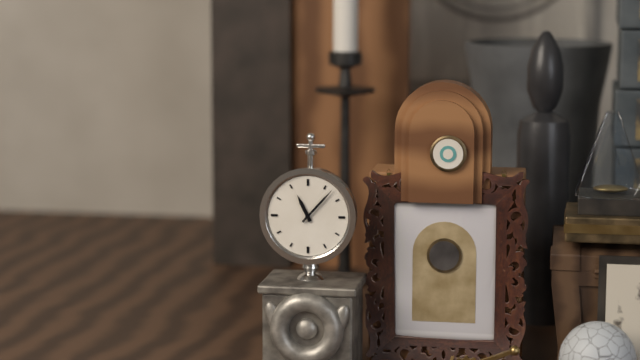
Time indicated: 11:07
